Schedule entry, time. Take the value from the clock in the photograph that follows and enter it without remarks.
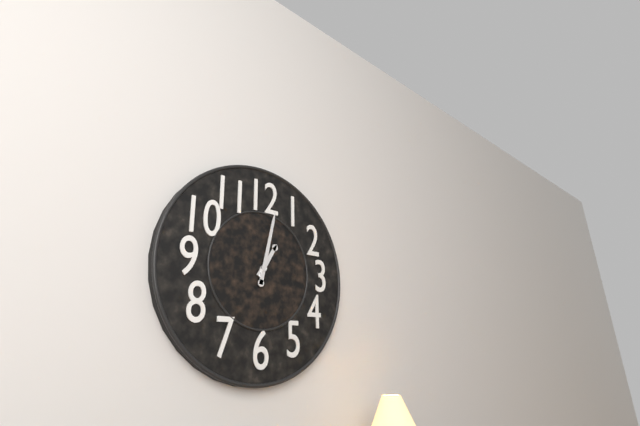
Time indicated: 1:02
